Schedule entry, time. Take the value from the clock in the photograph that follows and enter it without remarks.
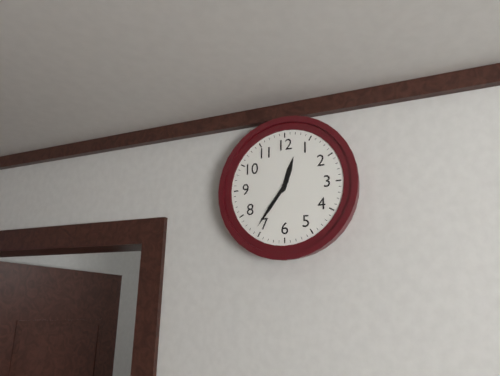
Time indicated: 12:36
